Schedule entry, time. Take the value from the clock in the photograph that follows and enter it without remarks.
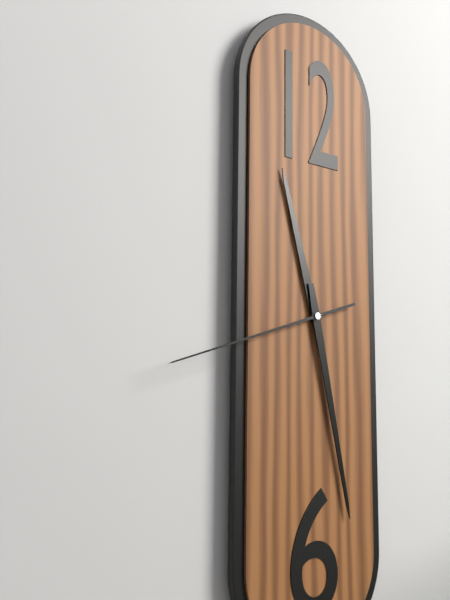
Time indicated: 11:28:42
